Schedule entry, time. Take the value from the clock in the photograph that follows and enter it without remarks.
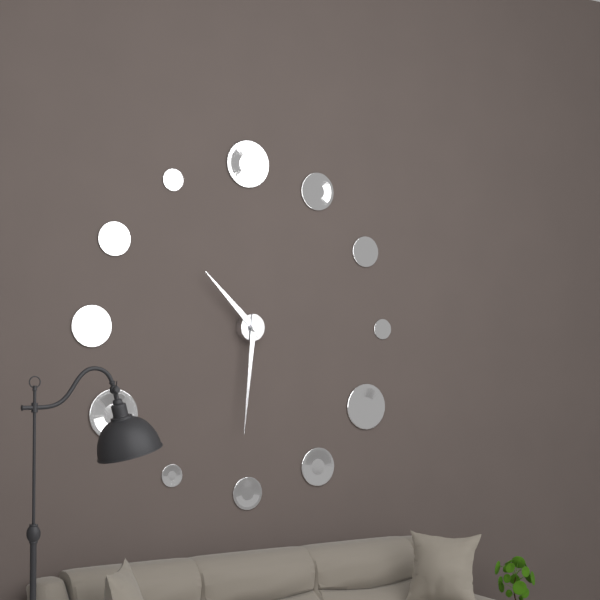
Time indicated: 10:31
